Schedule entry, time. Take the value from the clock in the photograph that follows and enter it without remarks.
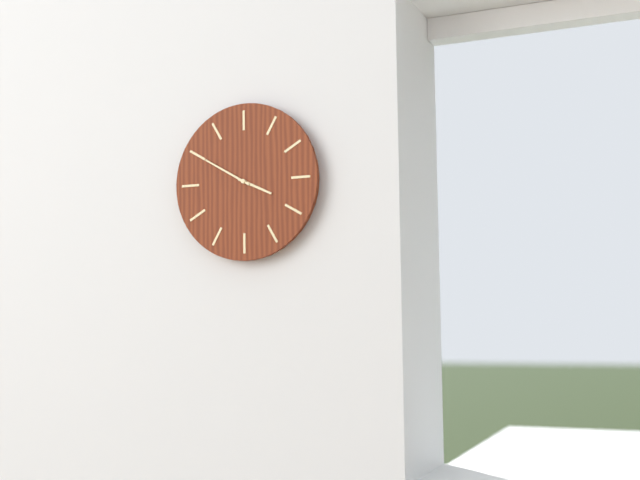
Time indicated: 3:50
